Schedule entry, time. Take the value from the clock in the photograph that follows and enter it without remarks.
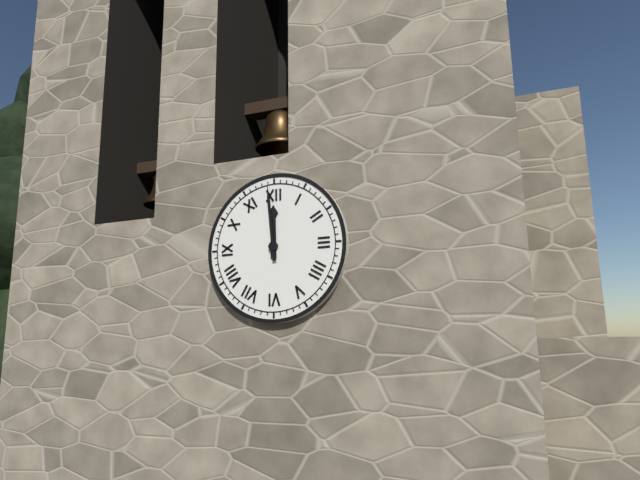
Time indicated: 11:59
